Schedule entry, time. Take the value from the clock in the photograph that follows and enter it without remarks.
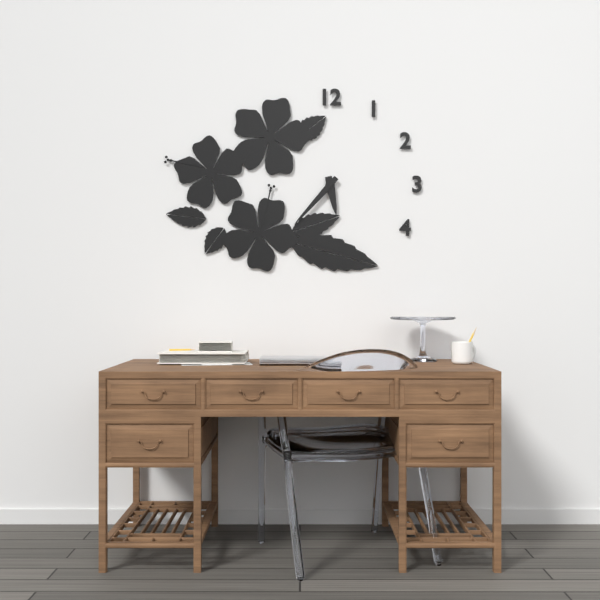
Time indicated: 5:37
